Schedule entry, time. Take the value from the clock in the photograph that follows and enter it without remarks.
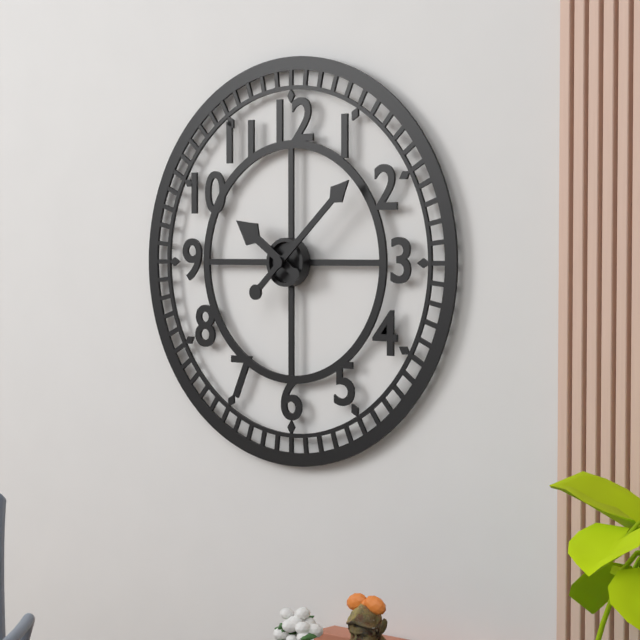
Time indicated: 10:08
